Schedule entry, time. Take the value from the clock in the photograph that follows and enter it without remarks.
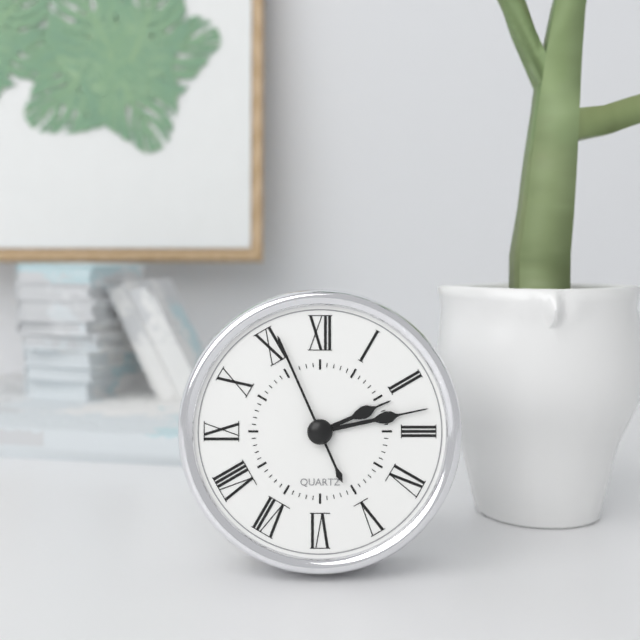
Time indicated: 2:13:56
